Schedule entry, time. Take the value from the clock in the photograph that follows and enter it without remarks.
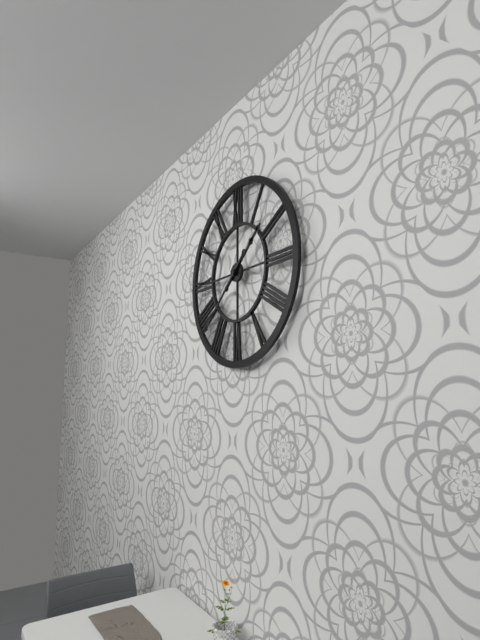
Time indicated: 1:38
